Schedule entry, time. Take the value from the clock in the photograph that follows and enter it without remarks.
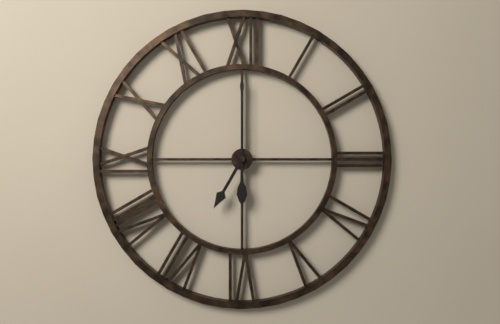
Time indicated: 7:00
